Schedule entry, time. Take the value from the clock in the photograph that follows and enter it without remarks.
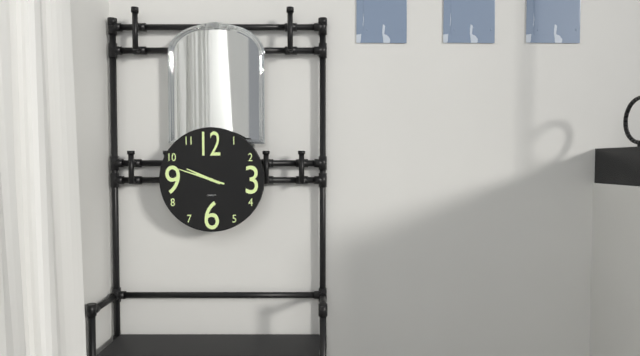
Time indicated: 9:48
